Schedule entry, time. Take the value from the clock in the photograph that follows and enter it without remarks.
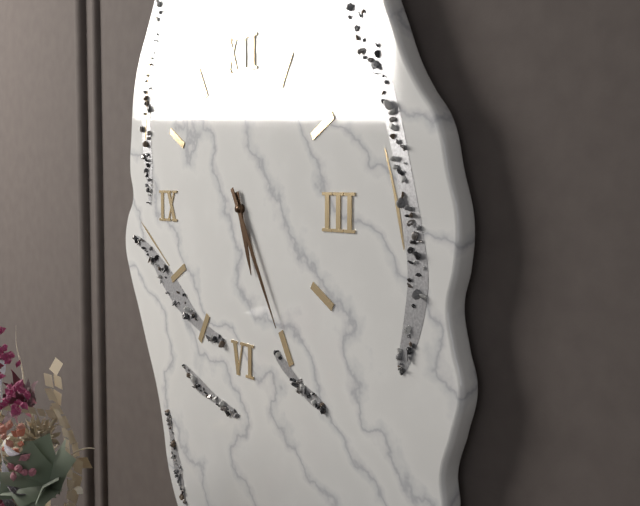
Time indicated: 5:25
